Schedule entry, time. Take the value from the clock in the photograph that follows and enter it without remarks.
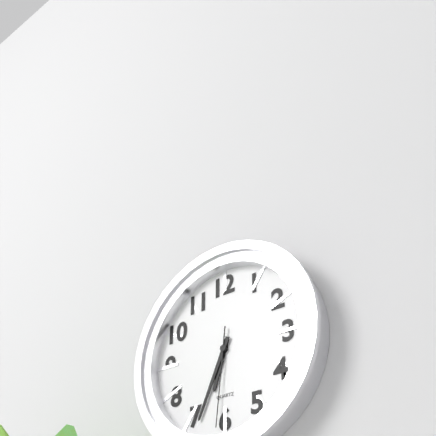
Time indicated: 6:34:31
